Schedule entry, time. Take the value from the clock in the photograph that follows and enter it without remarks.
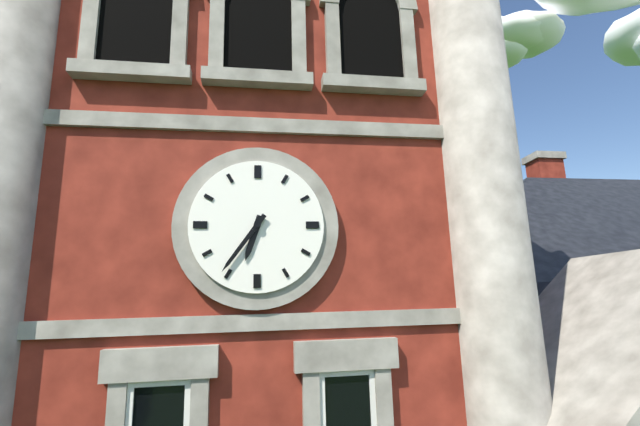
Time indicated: 6:36
